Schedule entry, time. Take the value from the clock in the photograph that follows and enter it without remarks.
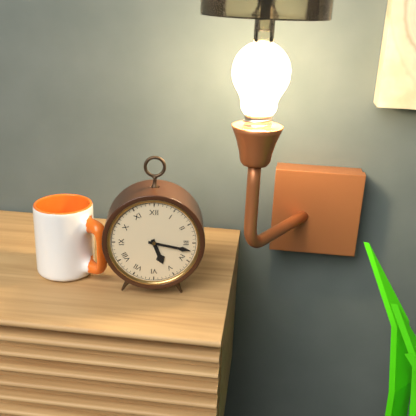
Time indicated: 5:17
